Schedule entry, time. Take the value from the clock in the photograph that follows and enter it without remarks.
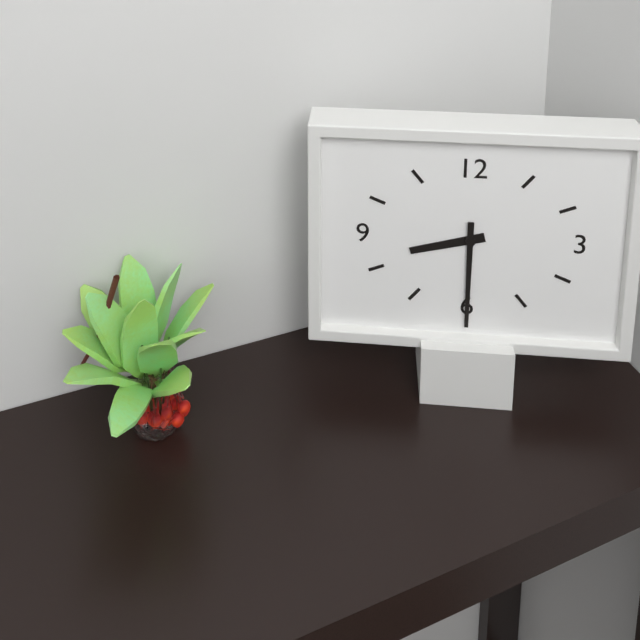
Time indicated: 8:30
